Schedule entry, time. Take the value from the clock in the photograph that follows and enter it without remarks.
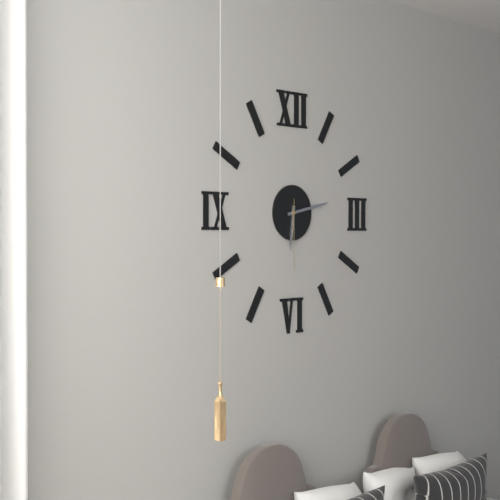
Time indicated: 6:13:30
